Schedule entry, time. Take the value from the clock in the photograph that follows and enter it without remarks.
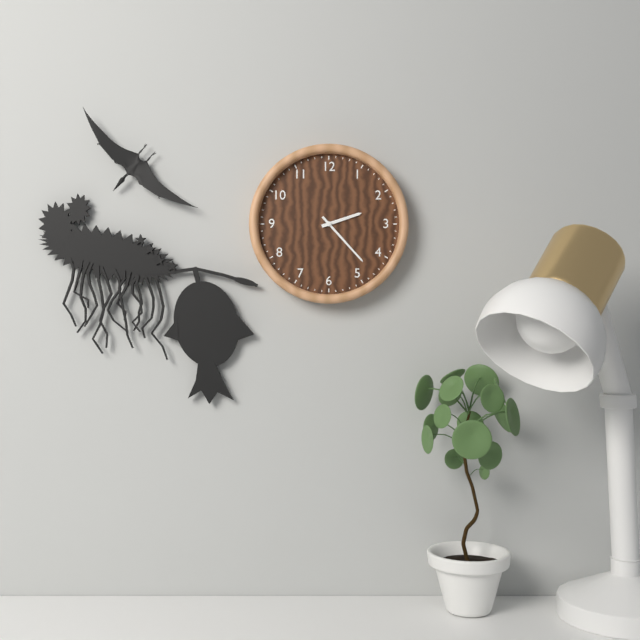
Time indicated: 2:23
